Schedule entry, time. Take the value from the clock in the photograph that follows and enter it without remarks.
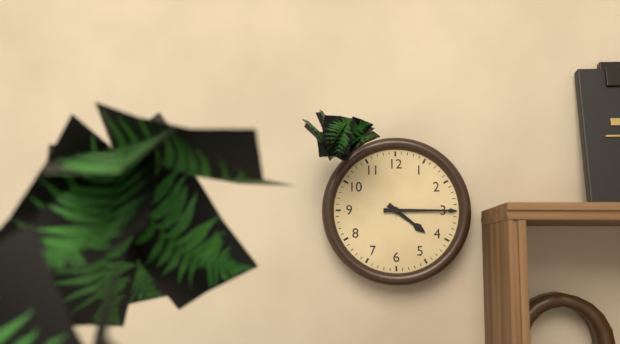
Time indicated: 4:15
